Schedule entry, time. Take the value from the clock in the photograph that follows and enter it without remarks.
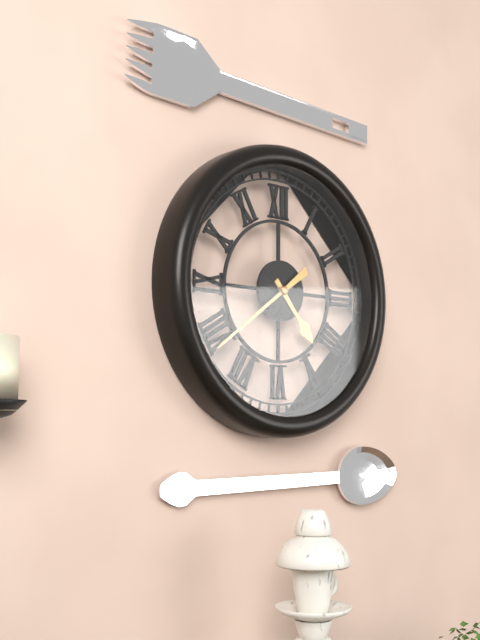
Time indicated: 4:39
